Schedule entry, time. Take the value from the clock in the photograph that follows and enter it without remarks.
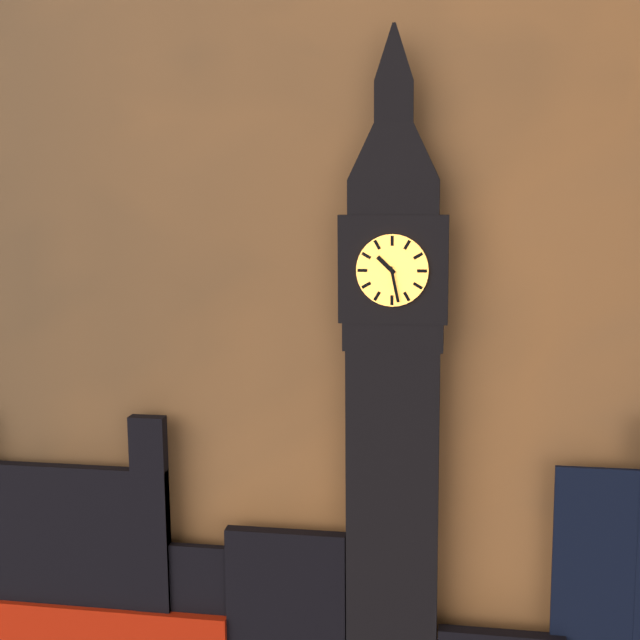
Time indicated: 10:28
